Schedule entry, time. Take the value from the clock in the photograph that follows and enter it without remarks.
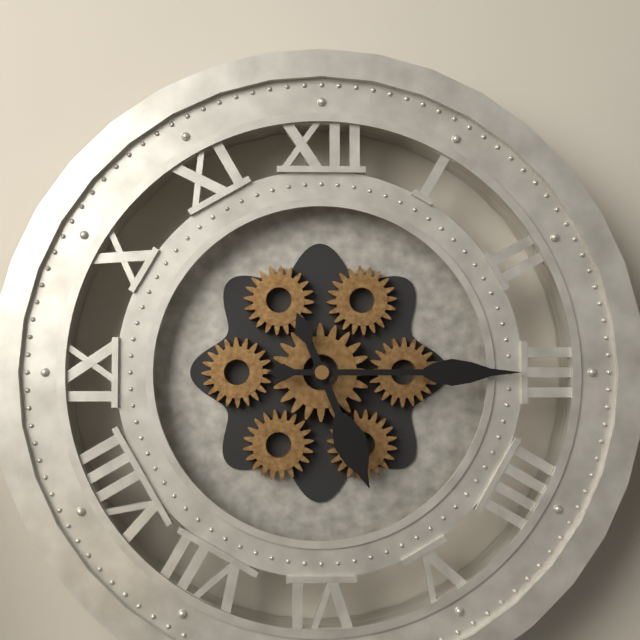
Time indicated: 5:15
